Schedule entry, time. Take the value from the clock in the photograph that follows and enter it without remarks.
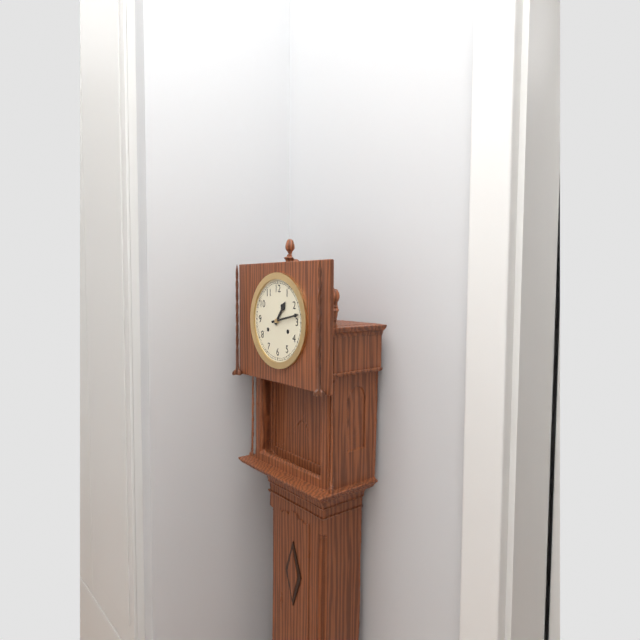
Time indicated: 1:13
